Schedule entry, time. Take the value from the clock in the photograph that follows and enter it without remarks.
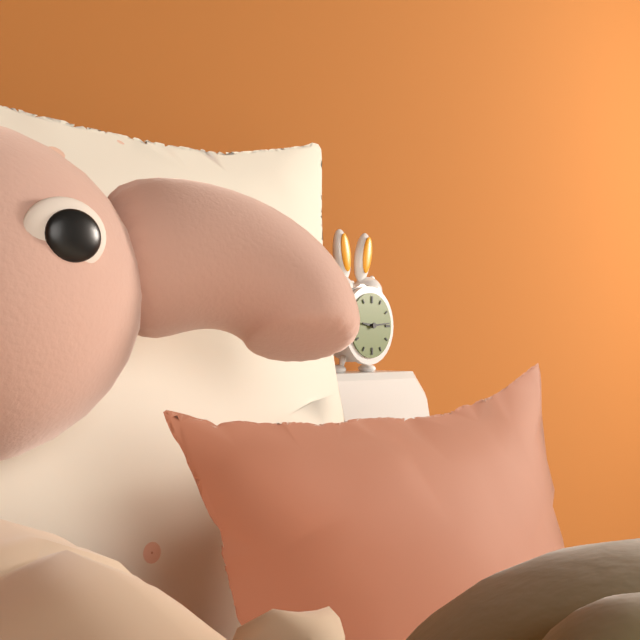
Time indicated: 9:14
